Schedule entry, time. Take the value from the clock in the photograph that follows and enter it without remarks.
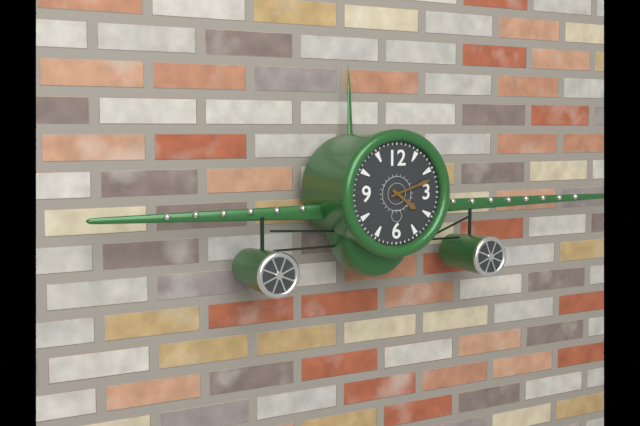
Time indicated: 4:12
